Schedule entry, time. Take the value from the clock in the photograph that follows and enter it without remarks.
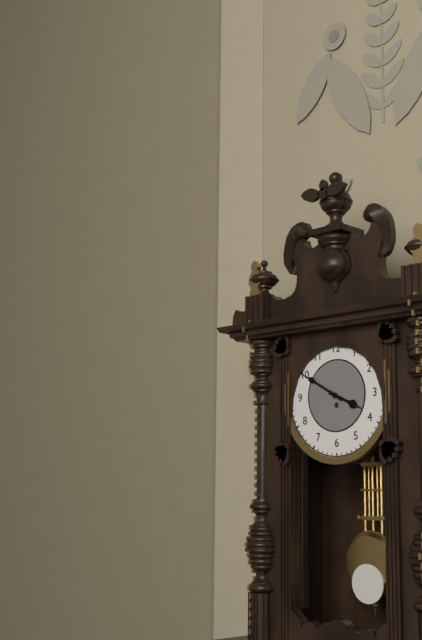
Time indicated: 3:50
